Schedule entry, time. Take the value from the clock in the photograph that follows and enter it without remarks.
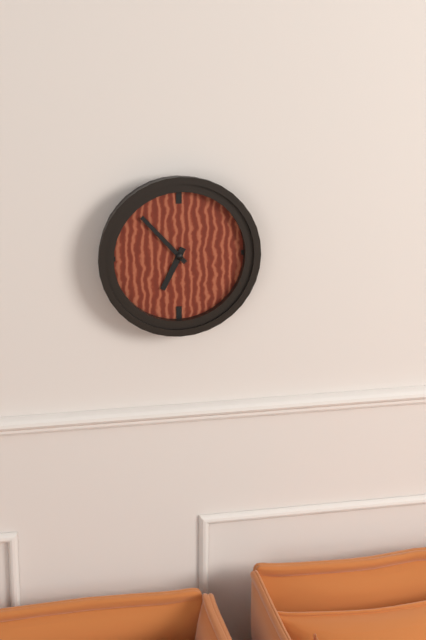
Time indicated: 6:53
